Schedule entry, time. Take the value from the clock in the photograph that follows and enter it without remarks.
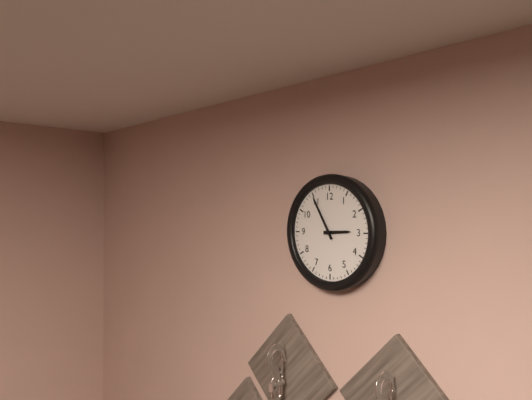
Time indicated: 2:55
